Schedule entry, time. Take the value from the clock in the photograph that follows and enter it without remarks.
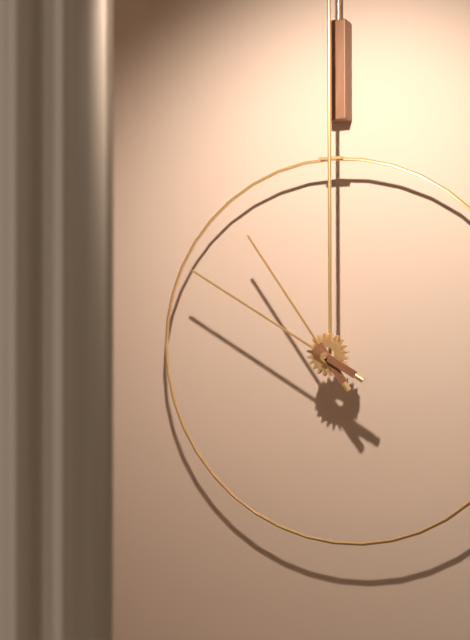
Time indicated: 10:50
